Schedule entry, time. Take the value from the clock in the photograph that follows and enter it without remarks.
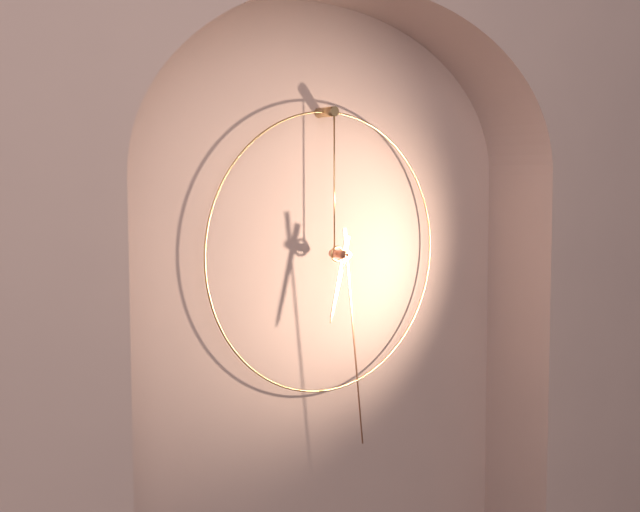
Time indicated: 6:29
